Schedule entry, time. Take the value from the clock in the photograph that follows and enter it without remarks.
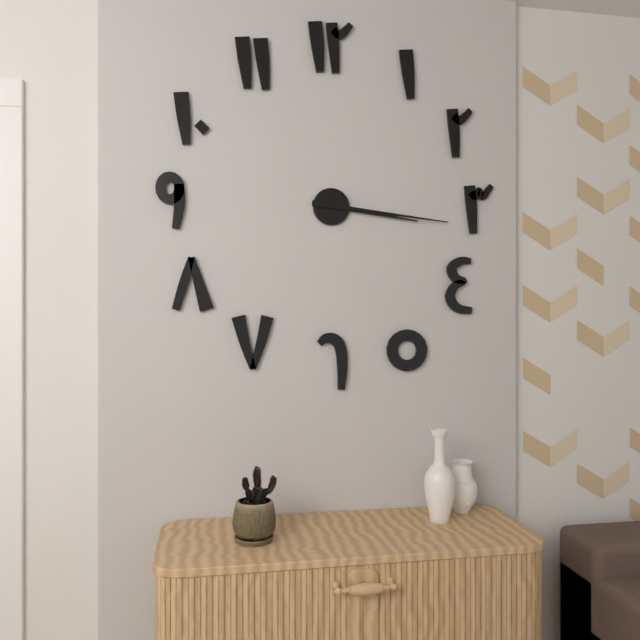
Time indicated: 3:16
